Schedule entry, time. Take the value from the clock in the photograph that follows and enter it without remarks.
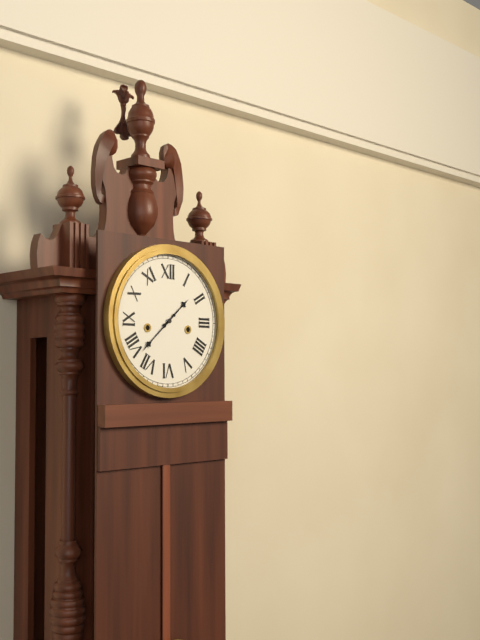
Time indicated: 1:38
